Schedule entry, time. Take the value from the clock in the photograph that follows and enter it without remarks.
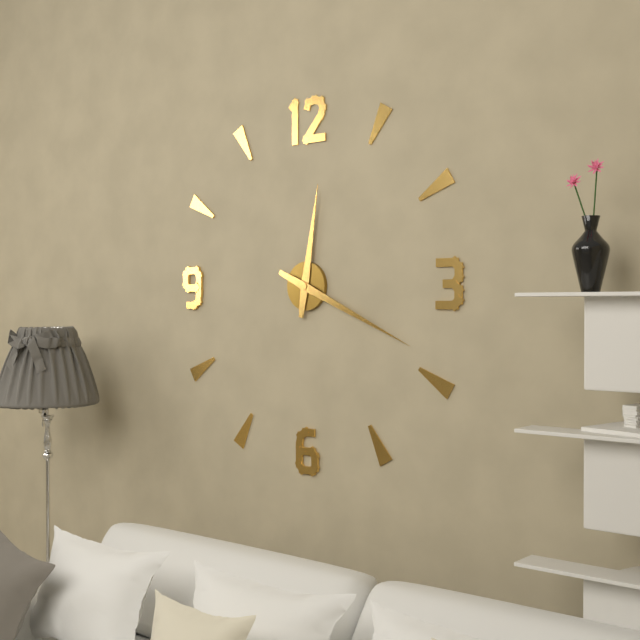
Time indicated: 12:19
